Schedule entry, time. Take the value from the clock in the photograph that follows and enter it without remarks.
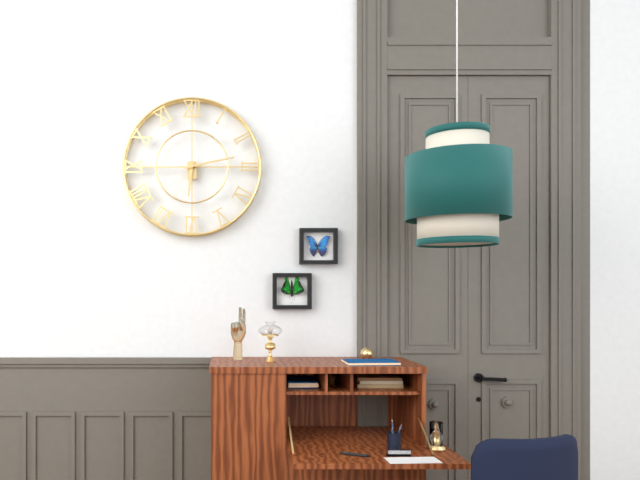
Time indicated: 6:13
